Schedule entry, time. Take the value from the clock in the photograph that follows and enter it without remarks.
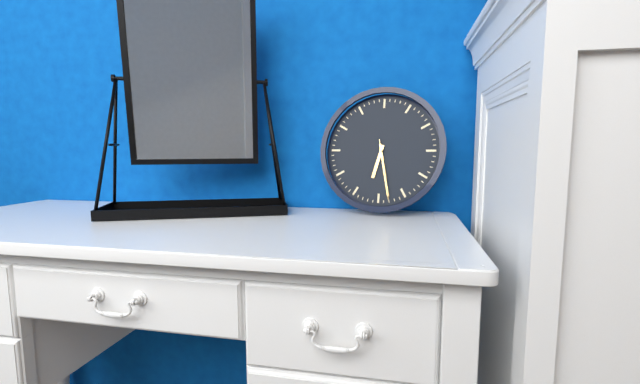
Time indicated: 6:28:28
